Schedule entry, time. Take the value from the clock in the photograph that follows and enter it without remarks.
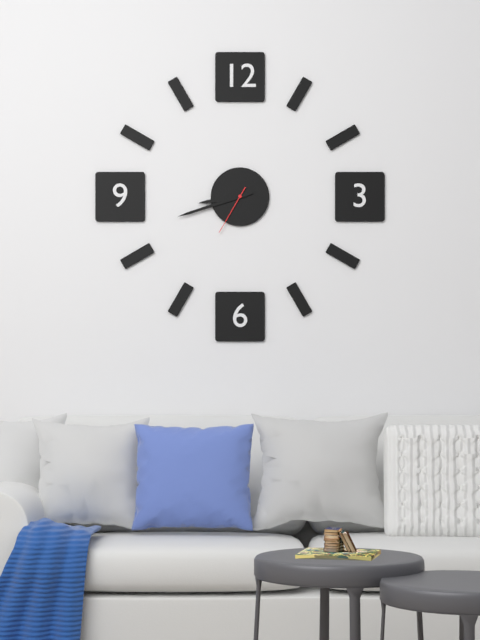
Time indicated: 8:42:35
